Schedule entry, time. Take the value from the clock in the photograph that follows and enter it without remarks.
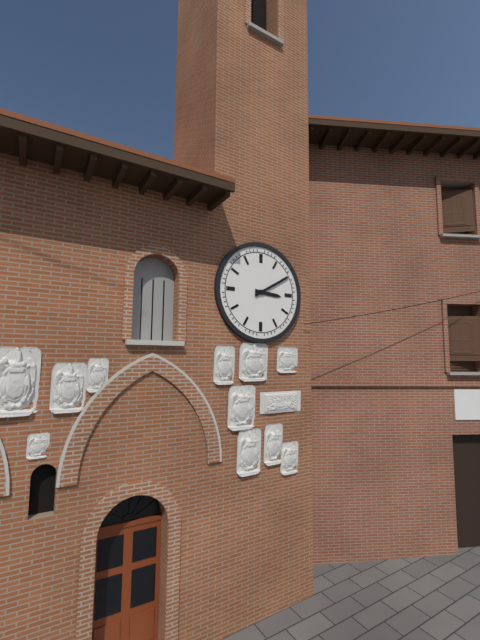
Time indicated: 3:10
